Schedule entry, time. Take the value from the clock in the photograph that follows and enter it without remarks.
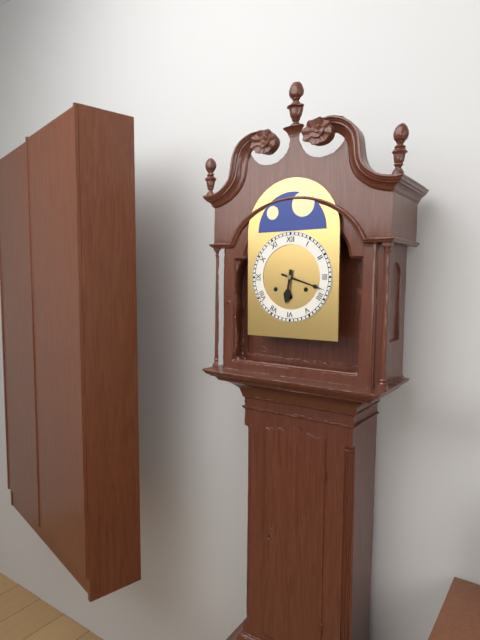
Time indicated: 6:18
